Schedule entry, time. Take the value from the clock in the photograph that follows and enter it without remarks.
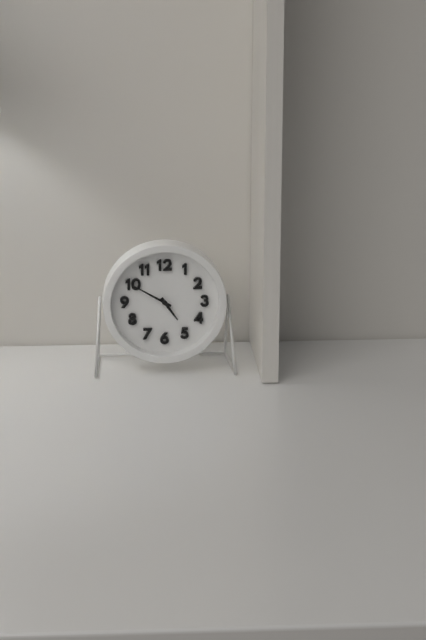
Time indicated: 4:50
